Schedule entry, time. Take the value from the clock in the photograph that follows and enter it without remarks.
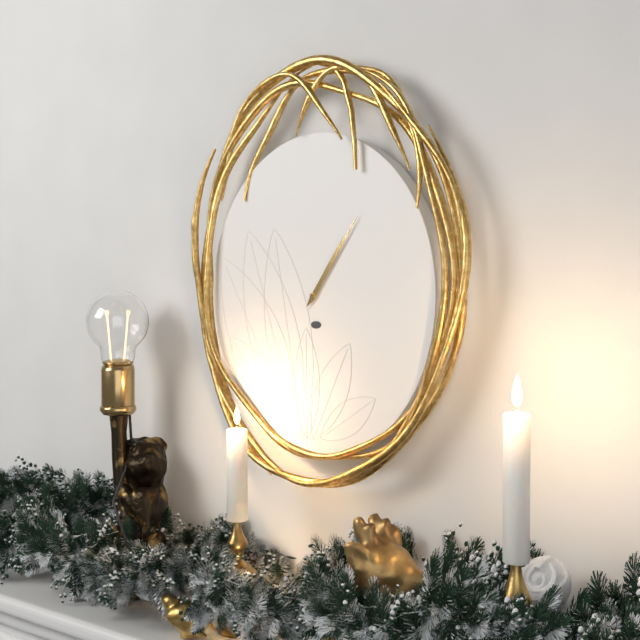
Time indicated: 1:06
